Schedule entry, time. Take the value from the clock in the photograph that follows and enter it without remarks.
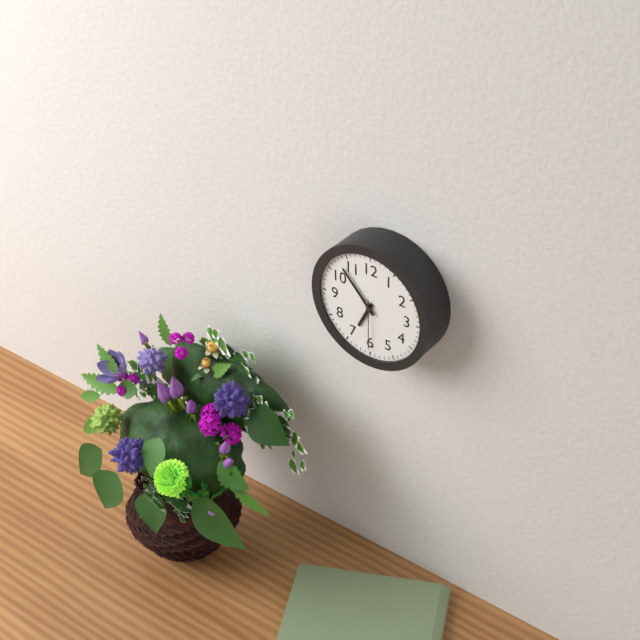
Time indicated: 6:53:30
